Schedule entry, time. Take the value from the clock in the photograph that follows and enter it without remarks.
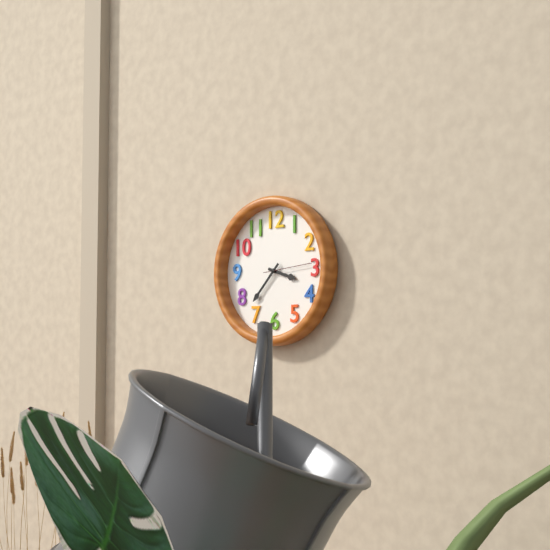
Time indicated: 3:37
